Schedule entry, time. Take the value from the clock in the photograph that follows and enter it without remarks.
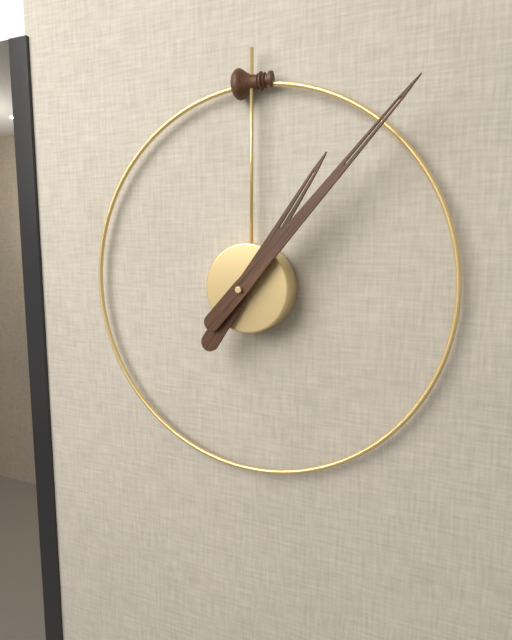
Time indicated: 1:07
